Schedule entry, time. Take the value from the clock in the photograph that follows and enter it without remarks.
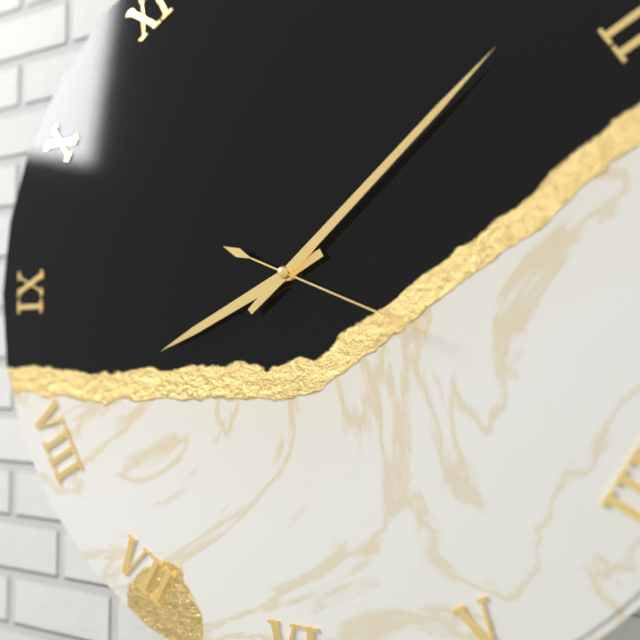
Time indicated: 8:08:19
